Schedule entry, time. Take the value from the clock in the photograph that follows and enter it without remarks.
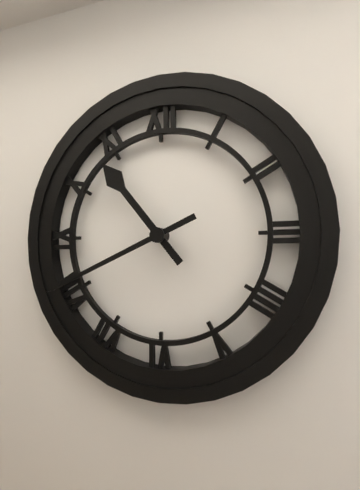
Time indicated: 10:41
